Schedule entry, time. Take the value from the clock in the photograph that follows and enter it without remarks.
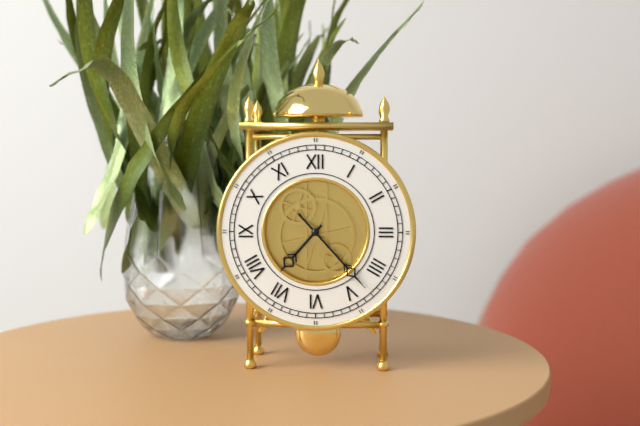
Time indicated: 7:23
